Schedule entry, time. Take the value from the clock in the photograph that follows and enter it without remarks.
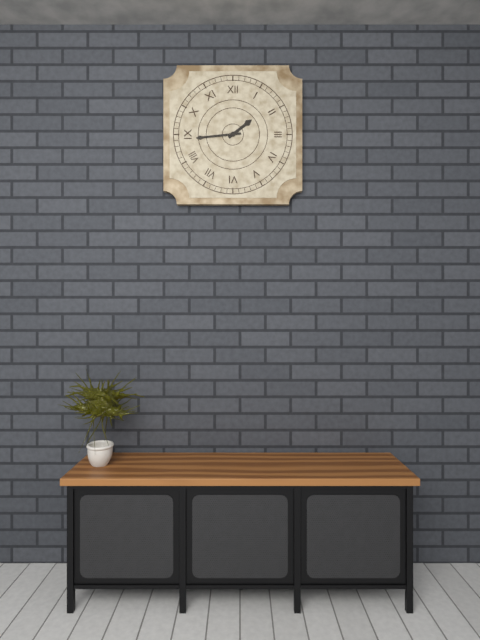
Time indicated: 1:44
